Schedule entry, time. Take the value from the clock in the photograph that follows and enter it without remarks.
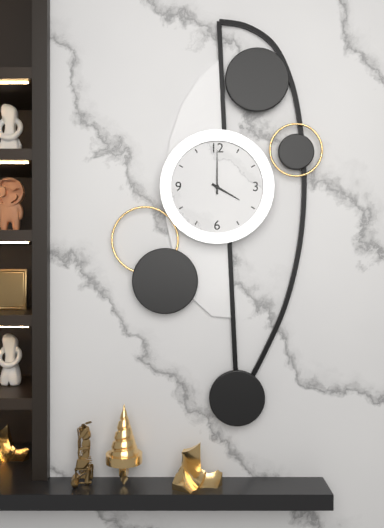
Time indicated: 4:00
